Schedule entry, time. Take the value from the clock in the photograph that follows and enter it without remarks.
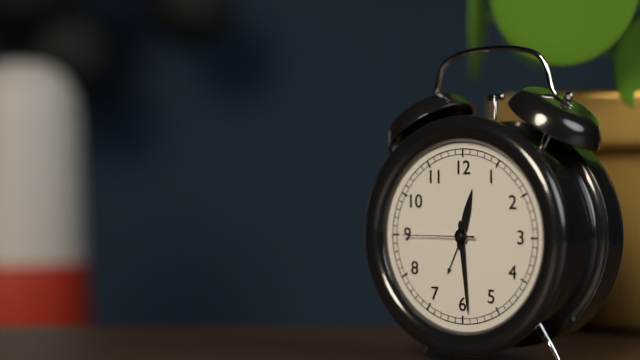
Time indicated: 12:29:45
